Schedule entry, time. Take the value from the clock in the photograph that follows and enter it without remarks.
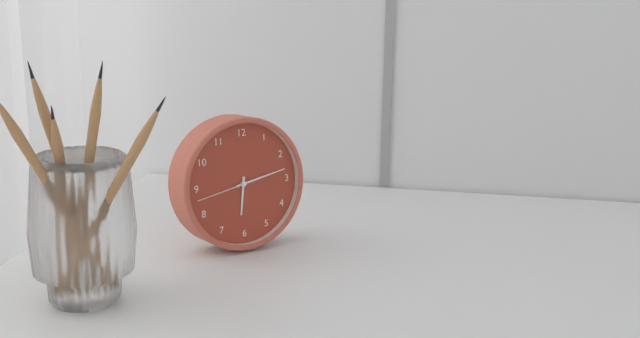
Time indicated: 6:13:43
